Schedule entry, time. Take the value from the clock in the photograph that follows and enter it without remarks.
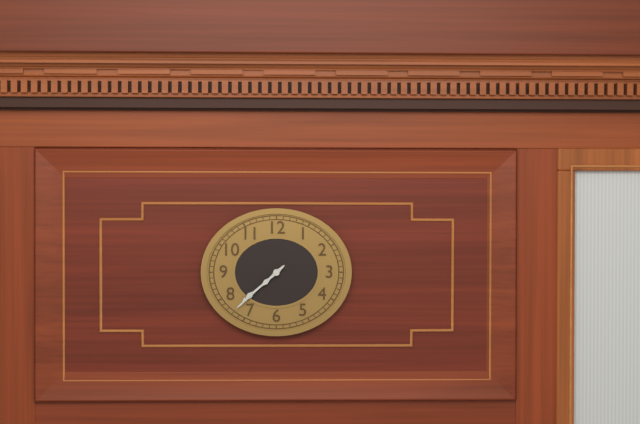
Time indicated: 7:38
